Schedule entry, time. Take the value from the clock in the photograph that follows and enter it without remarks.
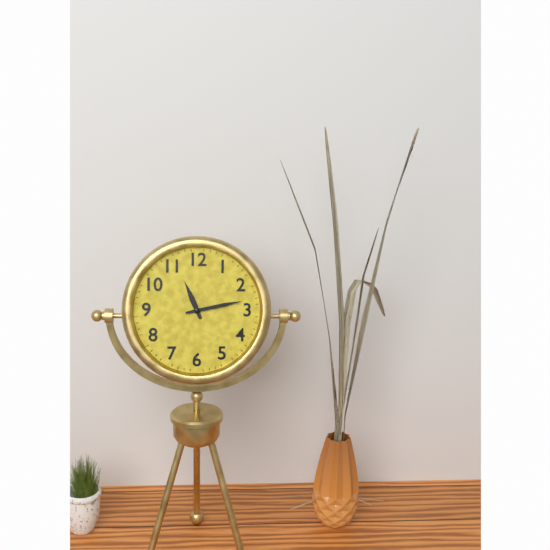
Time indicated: 11:13
